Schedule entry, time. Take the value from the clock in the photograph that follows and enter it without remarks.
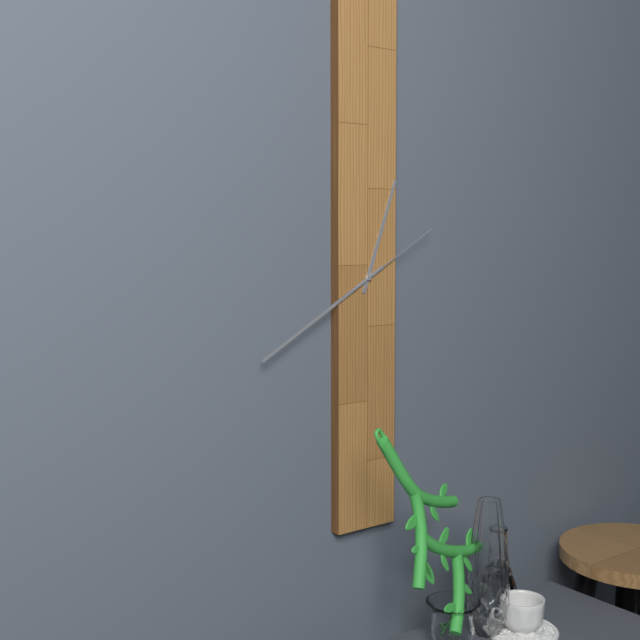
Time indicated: 12:40:10
